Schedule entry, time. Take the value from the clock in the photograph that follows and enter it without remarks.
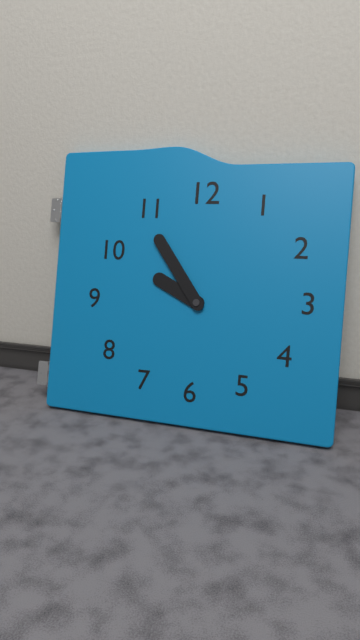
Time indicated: 9:54
